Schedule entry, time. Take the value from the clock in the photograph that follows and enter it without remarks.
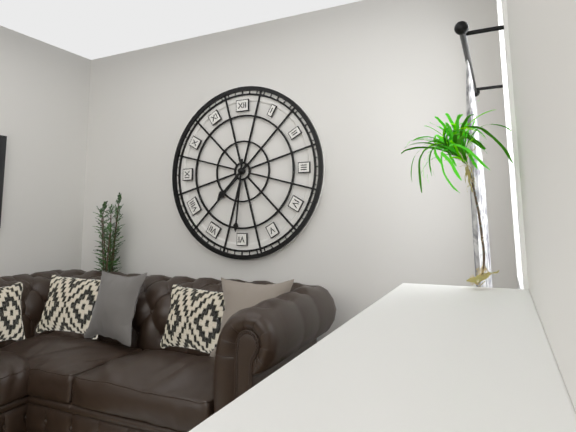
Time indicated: 7:31
